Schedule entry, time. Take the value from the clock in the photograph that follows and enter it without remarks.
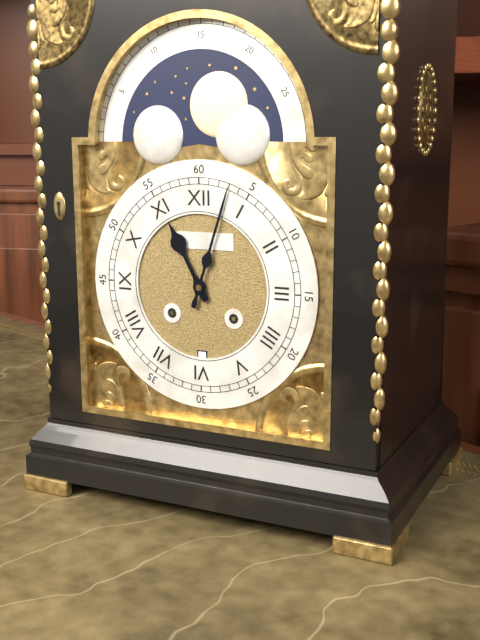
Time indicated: 11:03
